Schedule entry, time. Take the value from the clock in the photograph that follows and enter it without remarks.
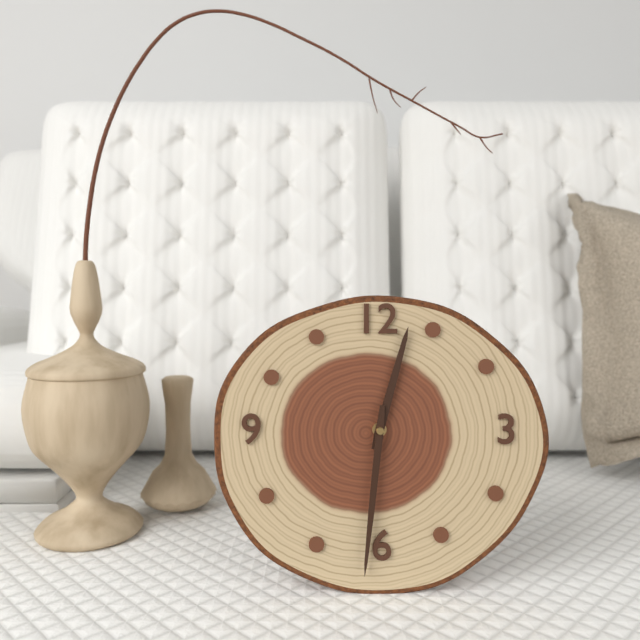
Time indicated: 12:31
